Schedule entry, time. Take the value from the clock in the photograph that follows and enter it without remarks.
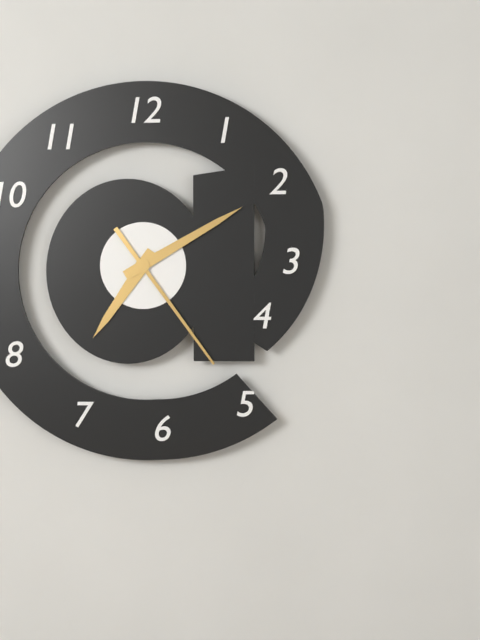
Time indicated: 7:10:24
